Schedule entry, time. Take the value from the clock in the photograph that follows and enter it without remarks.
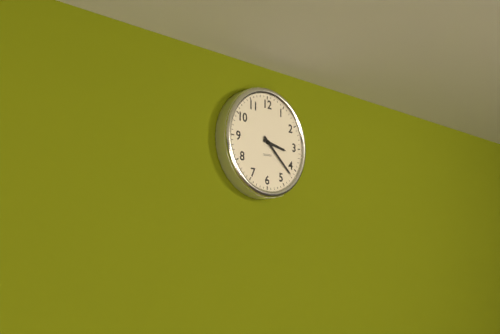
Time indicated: 3:22
